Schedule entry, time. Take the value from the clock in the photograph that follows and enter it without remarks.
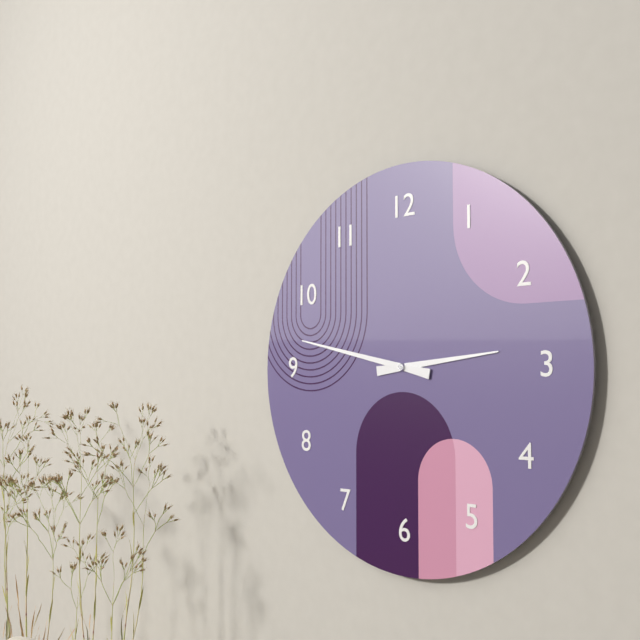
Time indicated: 2:47
